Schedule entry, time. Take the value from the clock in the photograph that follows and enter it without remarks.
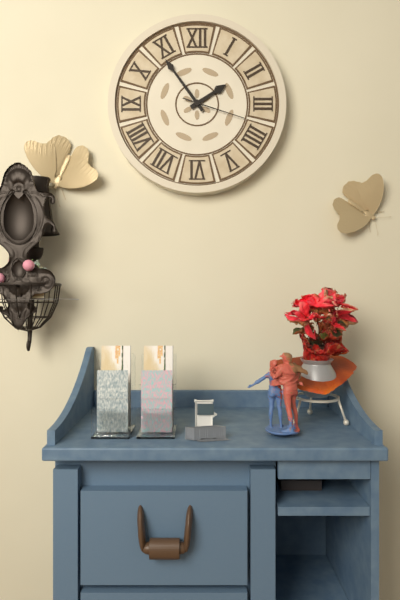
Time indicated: 1:54:18
